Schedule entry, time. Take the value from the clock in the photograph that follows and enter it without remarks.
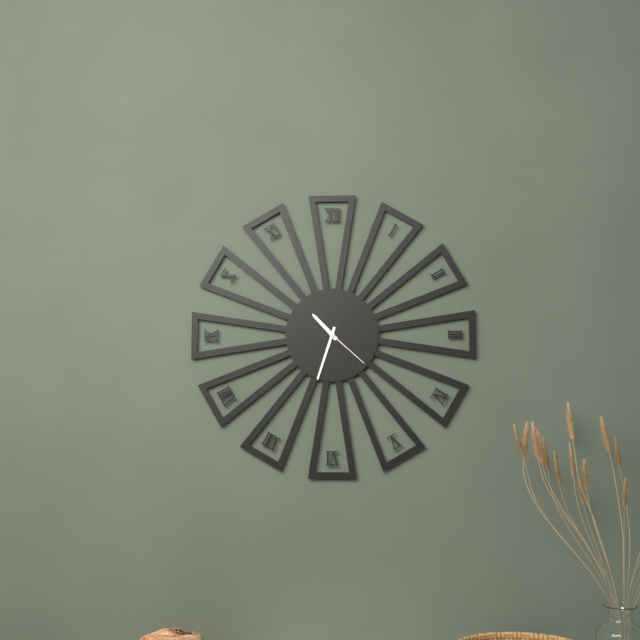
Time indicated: 10:33:22
